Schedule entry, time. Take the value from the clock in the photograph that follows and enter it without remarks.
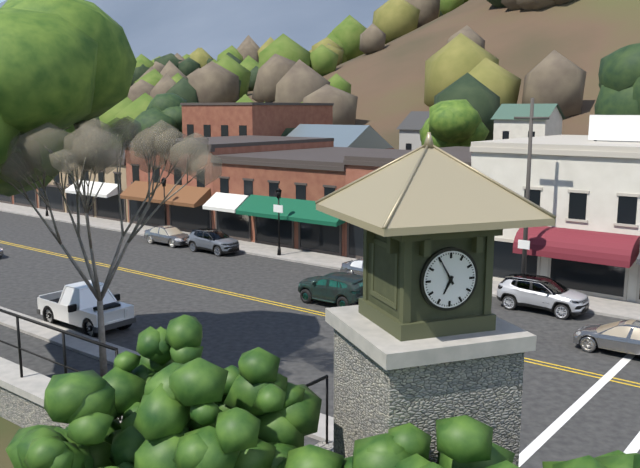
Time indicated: 6:55
